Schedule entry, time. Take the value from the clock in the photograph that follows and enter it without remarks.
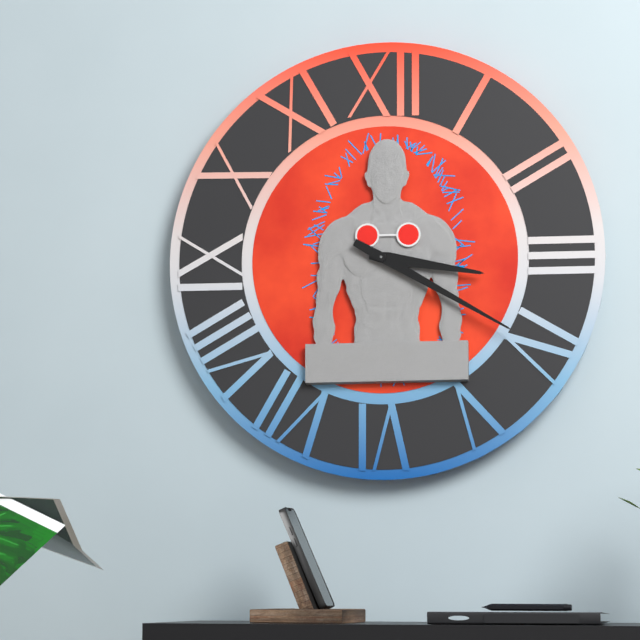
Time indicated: 3:20
